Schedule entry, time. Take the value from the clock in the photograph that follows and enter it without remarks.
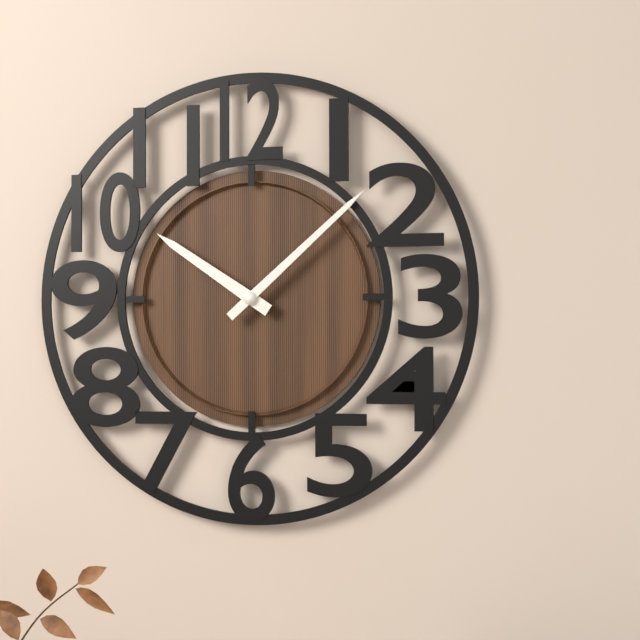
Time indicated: 10:08
